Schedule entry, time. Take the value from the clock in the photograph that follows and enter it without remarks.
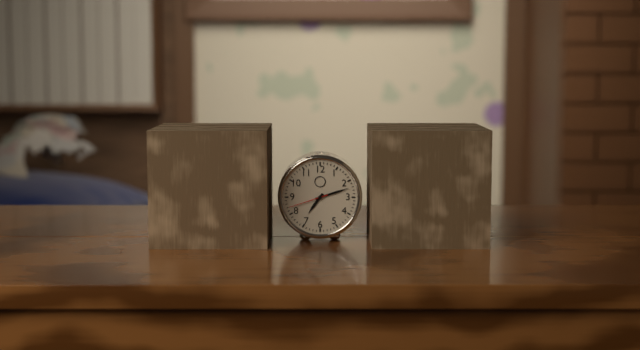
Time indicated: 7:12
